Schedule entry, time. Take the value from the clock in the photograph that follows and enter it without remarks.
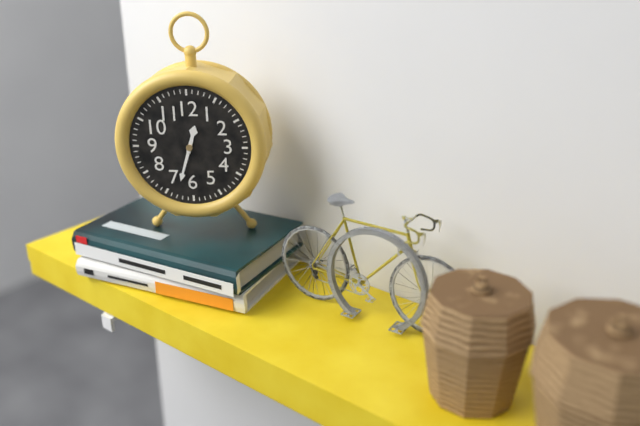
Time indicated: 12:33
